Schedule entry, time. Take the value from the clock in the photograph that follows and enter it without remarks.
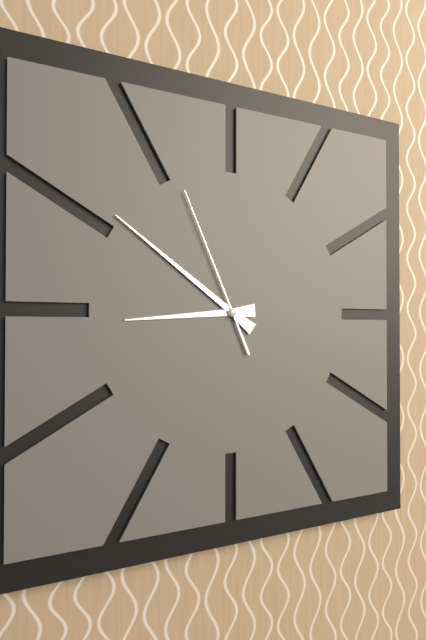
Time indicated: 8:51:56
